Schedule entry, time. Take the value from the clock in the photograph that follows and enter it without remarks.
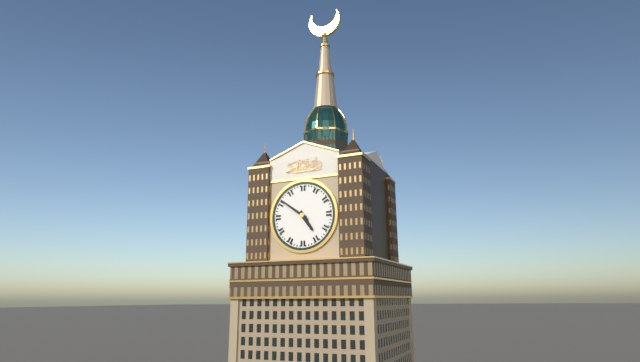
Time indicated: 4:51
